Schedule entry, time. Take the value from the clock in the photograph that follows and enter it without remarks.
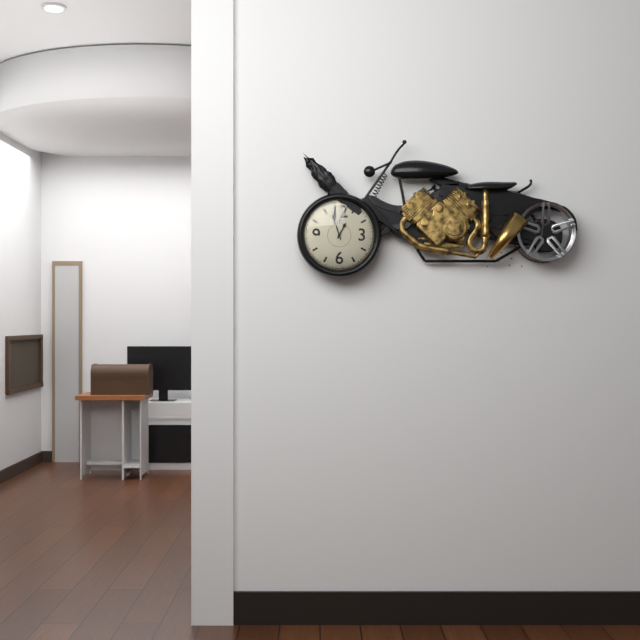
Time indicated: 12:57
